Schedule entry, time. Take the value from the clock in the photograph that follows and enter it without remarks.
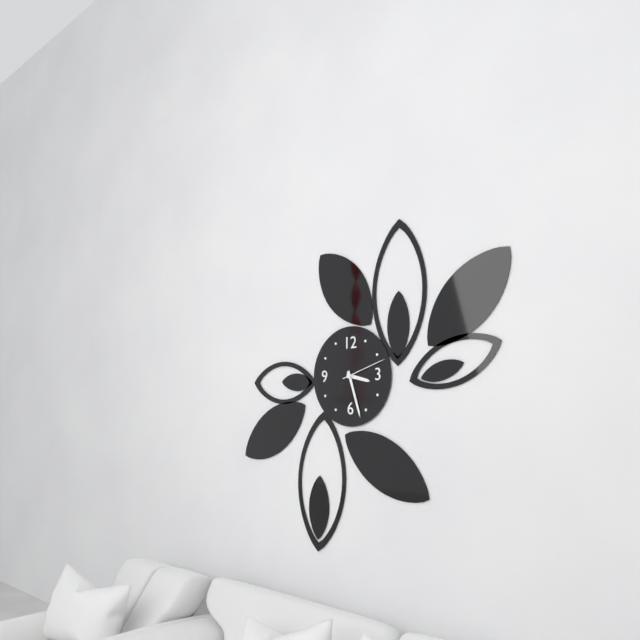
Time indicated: 3:27
